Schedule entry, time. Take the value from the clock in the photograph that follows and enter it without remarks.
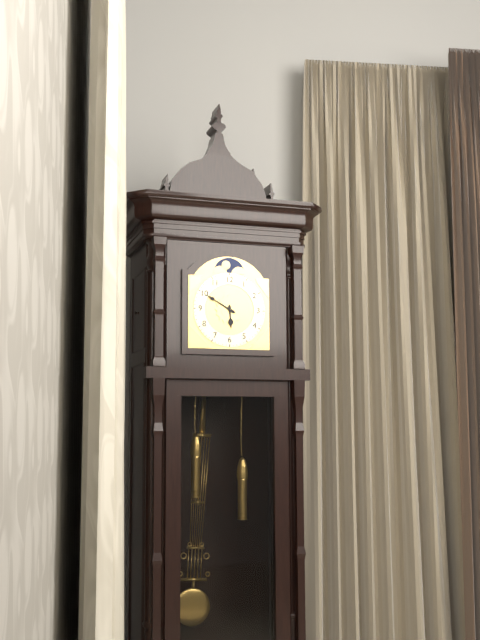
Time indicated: 5:50
